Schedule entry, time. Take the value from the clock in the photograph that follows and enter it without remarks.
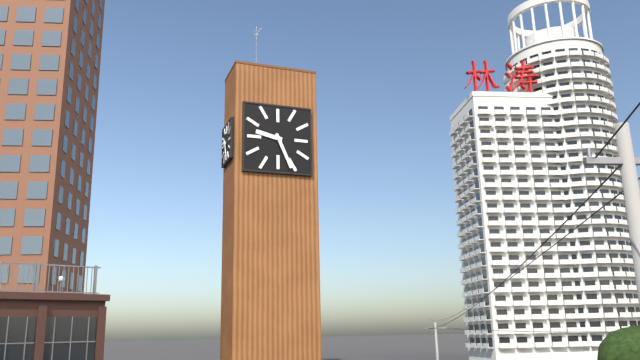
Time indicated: 9:26
